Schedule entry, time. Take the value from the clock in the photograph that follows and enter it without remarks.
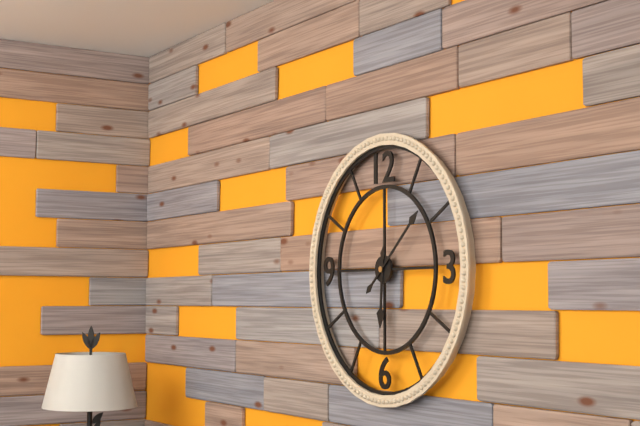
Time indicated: 6:08
